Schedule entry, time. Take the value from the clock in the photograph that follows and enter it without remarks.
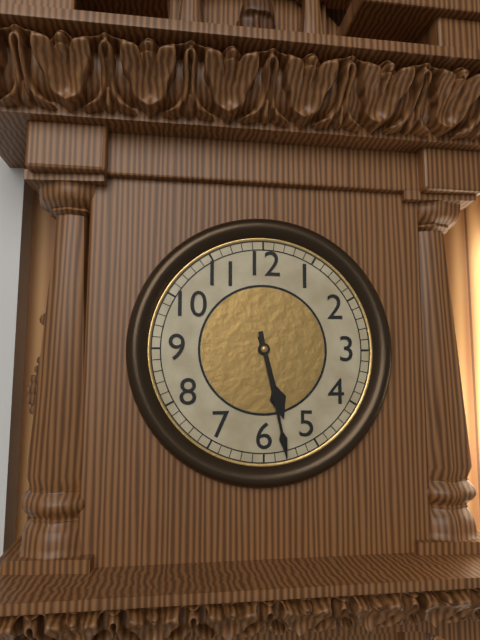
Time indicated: 5:28
